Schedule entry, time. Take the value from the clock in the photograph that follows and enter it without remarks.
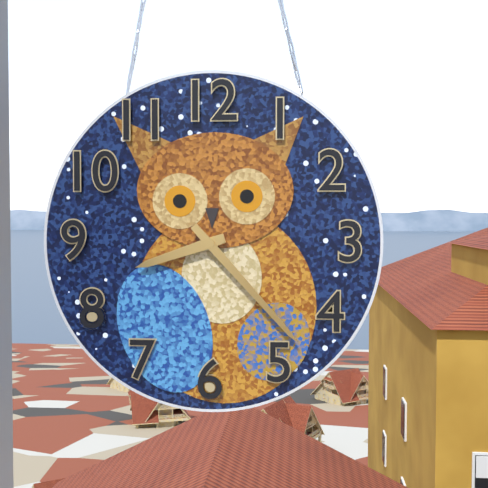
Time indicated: 8:23
